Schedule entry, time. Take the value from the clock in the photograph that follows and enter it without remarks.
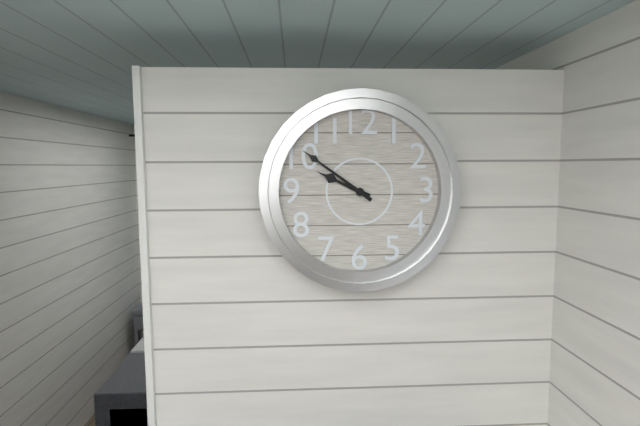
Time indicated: 9:51
